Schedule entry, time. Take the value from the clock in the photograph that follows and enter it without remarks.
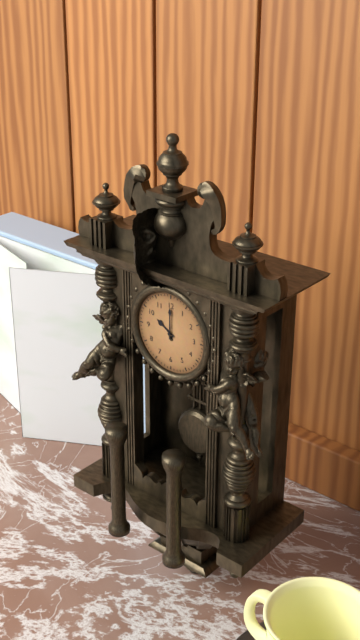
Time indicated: 10:00
